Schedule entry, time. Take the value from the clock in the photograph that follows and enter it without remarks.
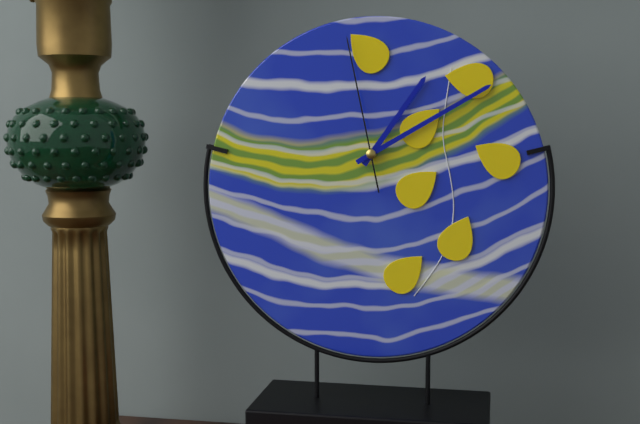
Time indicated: 1:10:58
